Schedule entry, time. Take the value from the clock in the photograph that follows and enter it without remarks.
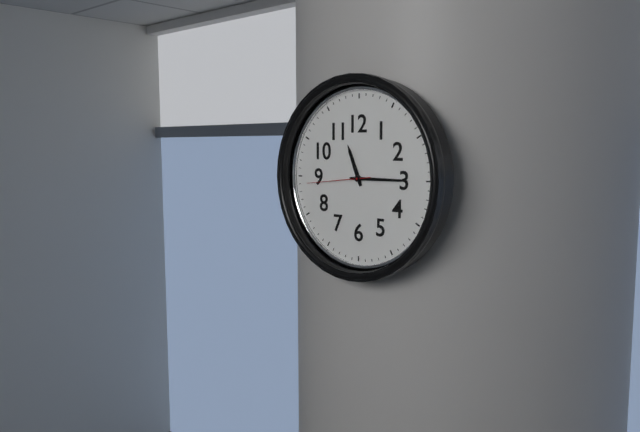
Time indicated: 11:15:44
